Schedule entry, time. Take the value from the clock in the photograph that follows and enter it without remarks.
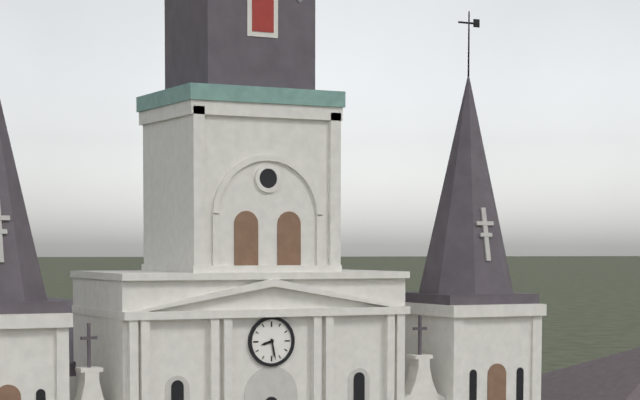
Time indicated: 8:28
